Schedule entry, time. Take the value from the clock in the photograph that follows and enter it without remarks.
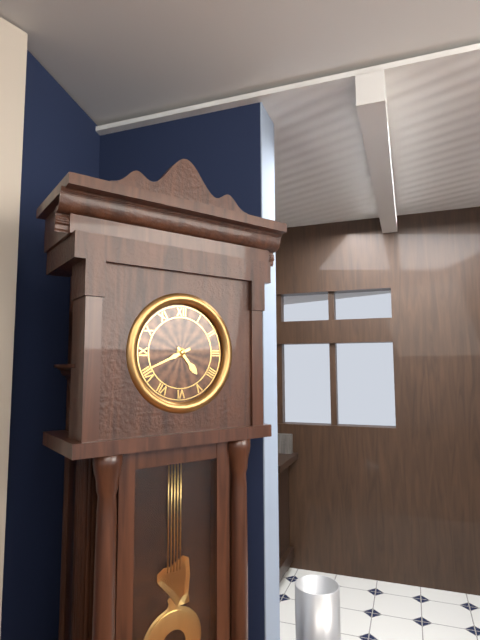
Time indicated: 4:41
